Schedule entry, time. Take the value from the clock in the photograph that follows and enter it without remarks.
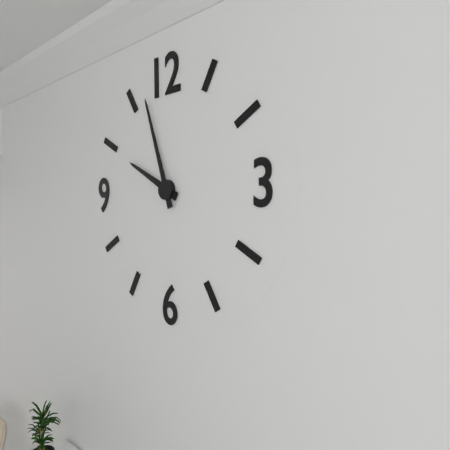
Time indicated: 9:57
